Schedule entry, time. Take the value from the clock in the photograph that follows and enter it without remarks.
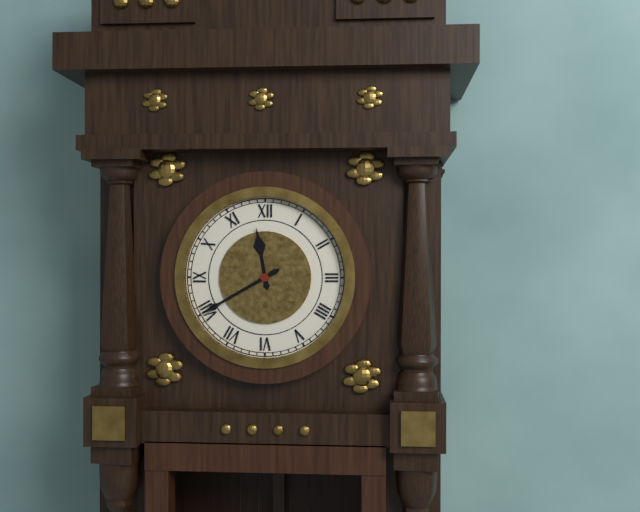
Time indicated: 11:40
